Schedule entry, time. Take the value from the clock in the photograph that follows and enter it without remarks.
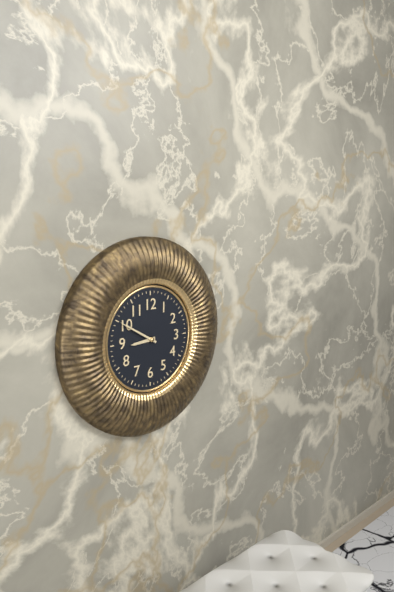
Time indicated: 8:50
